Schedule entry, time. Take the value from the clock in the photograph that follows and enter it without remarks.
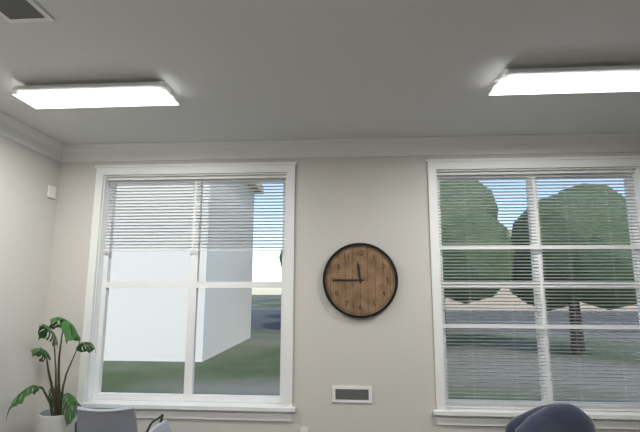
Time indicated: 11:45
